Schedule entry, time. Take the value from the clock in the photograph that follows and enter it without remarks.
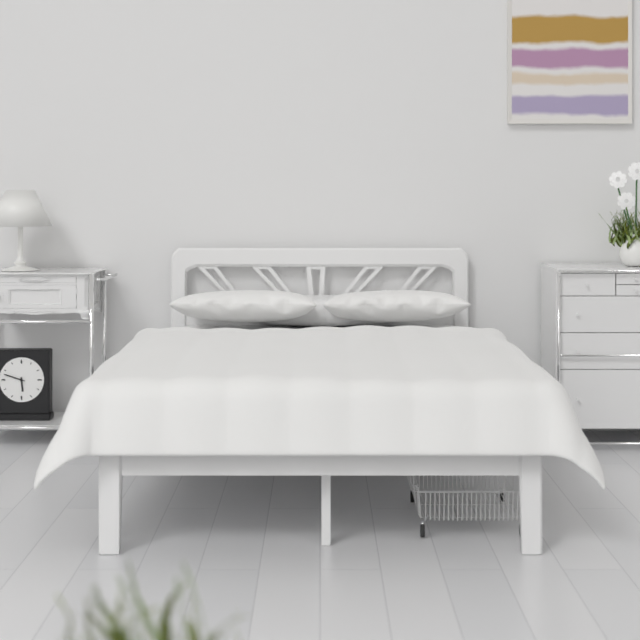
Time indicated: 5:48
